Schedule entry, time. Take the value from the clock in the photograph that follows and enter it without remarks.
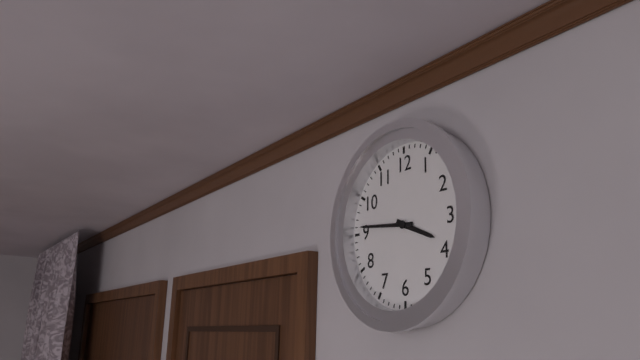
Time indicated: 3:46
